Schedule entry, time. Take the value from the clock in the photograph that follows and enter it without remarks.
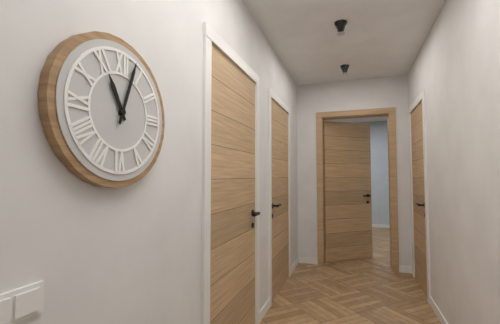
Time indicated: 11:03
